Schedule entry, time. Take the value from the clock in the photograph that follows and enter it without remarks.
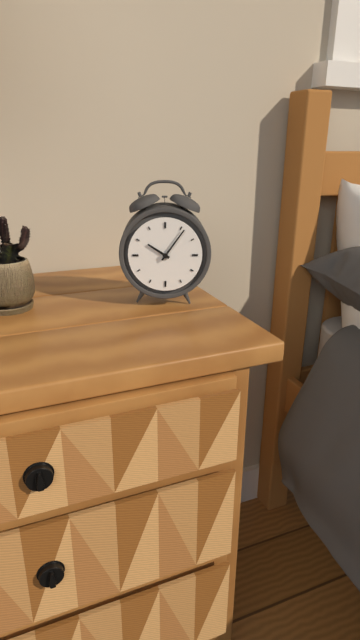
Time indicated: 10:06
